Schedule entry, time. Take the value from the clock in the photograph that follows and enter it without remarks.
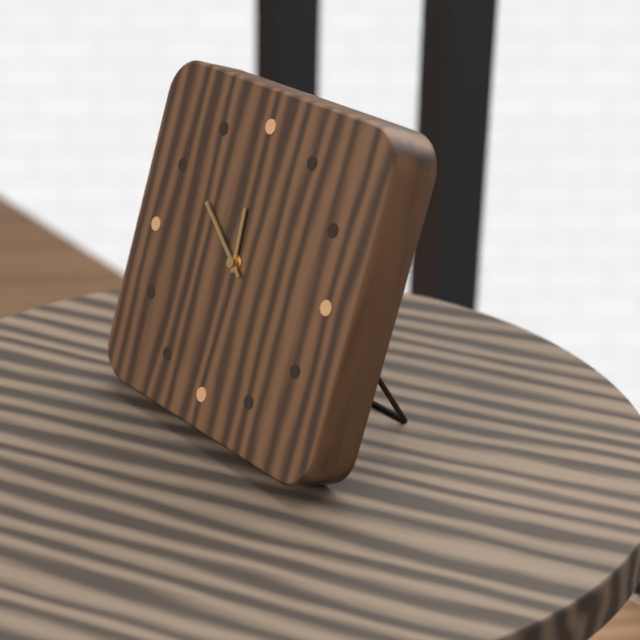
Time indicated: 11:51
